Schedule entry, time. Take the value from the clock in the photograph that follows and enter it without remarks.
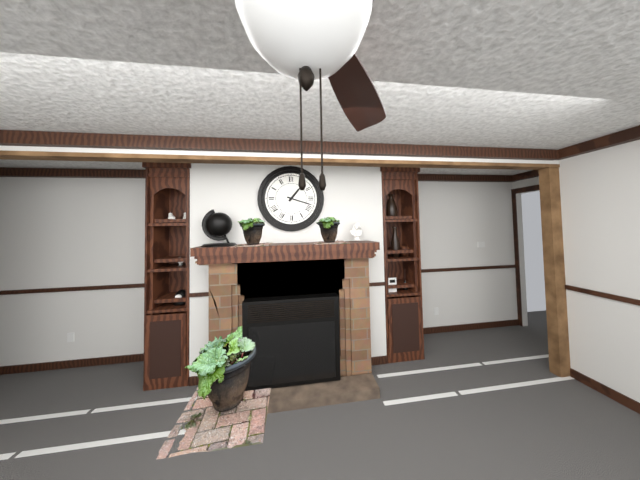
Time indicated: 1:18
